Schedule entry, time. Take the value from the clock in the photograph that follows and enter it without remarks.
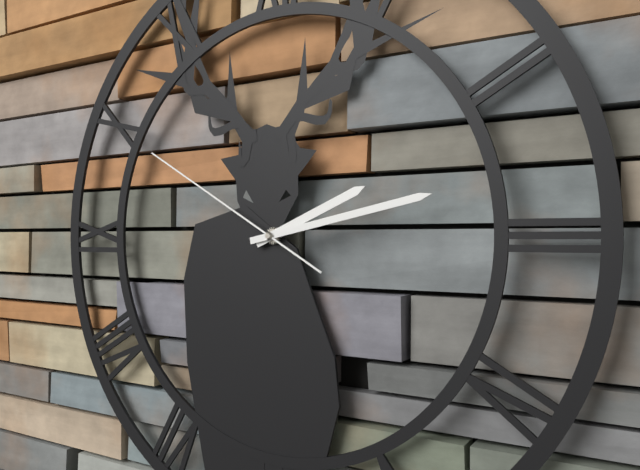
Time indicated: 2:13:50
